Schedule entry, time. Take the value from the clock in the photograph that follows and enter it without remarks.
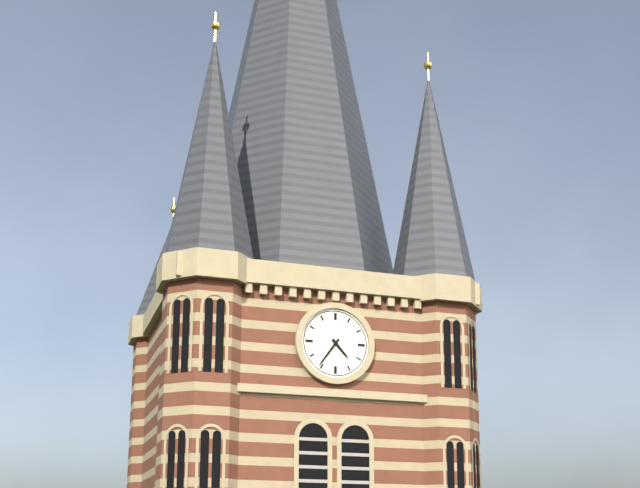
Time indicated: 4:36
